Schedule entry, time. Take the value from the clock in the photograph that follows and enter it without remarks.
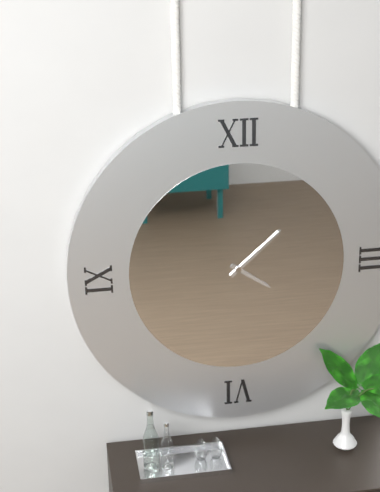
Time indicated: 4:08
